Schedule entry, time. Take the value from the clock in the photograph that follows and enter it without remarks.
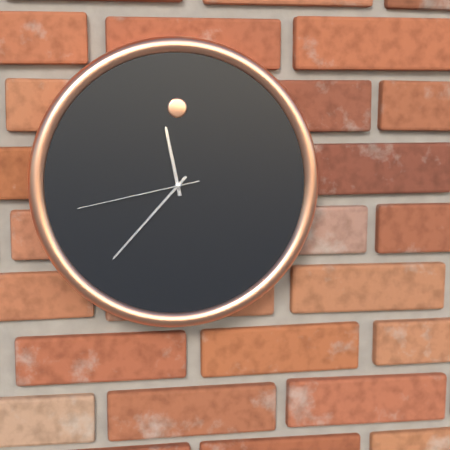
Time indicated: 11:37:43
